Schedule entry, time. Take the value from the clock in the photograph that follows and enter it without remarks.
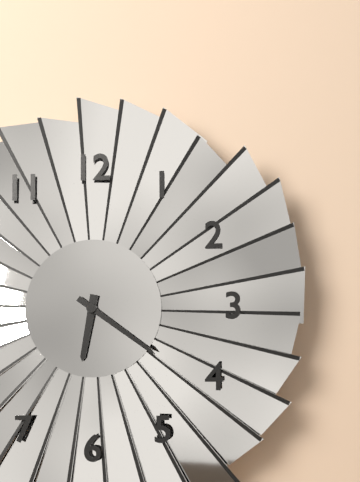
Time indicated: 6:21
